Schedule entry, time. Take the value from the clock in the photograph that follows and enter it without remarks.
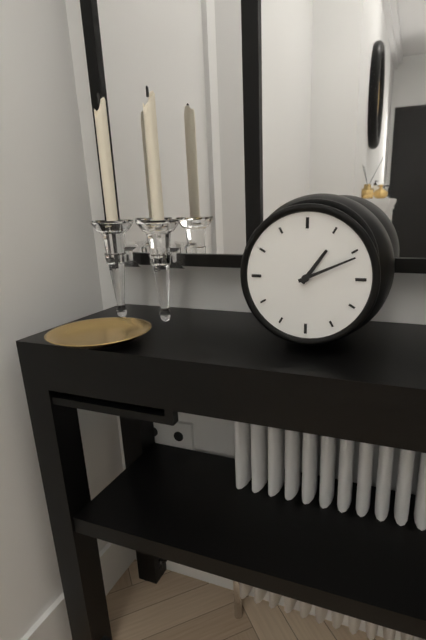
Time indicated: 1:11
